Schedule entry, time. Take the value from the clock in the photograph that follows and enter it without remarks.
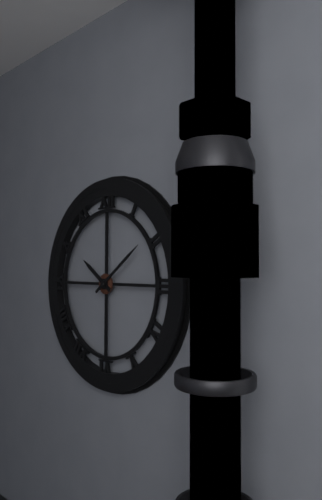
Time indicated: 10:09
